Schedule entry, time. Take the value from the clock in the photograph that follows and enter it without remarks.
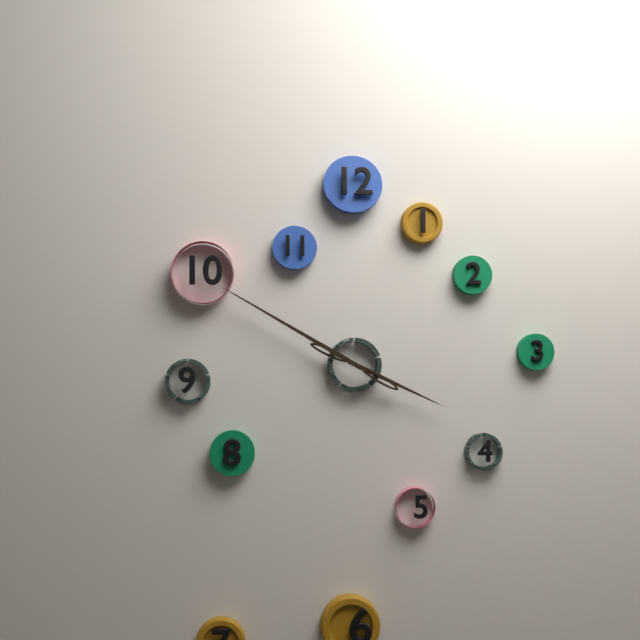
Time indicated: 3:50
